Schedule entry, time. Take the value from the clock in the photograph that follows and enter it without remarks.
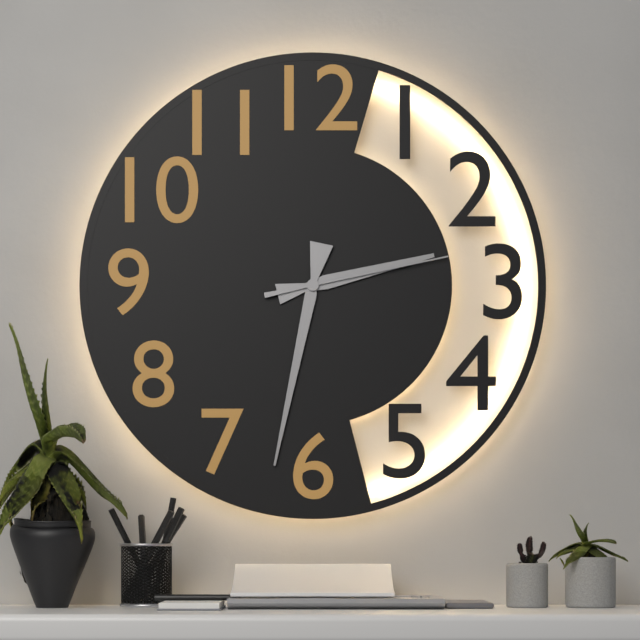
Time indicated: 2:32:13
